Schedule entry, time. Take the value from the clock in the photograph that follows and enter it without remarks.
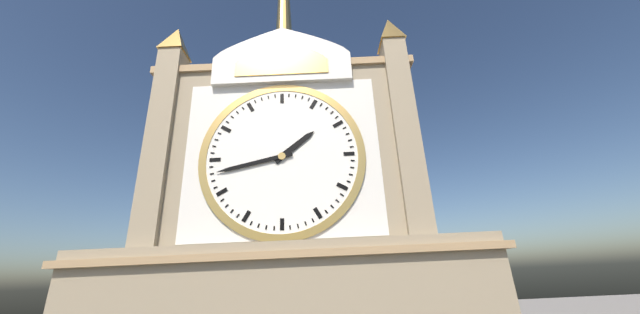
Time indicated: 1:43
